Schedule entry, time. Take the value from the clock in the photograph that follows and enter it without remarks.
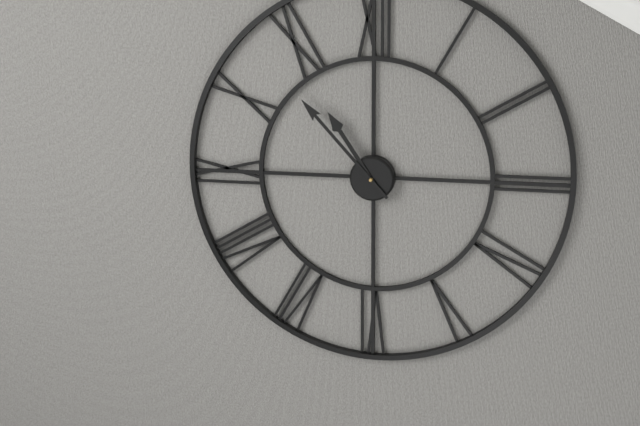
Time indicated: 10:53
